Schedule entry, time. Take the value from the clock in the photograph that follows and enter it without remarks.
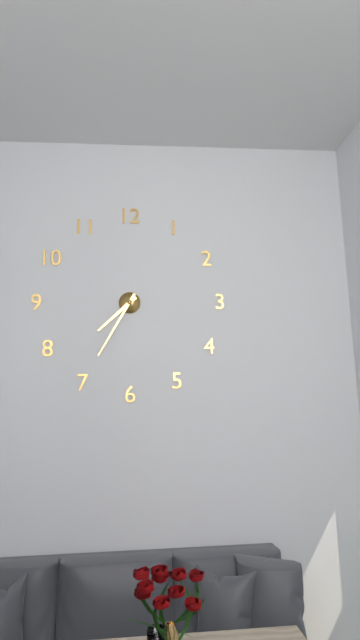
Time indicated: 7:35
